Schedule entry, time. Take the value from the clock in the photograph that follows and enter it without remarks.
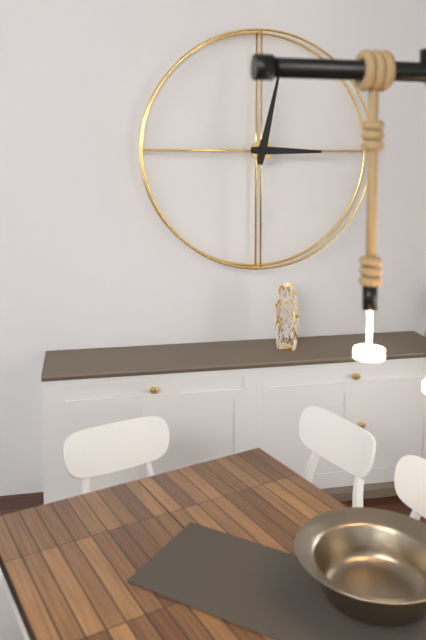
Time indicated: 3:02
